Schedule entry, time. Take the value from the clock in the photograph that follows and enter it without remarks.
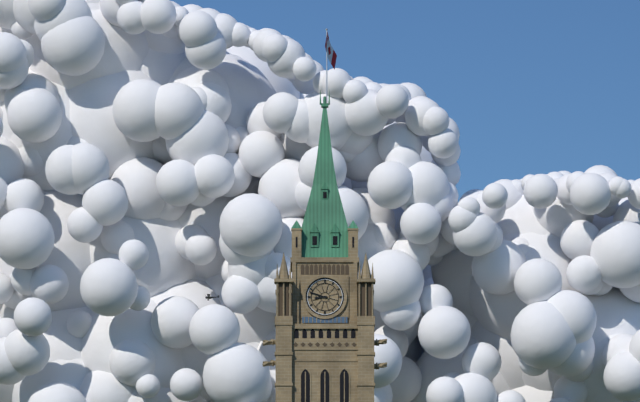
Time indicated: 8:48
